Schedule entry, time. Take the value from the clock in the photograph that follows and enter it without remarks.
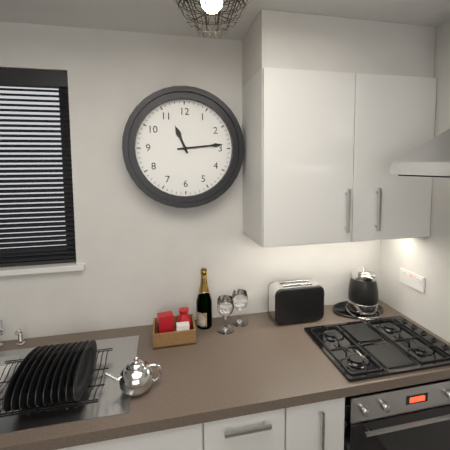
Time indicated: 11:14
